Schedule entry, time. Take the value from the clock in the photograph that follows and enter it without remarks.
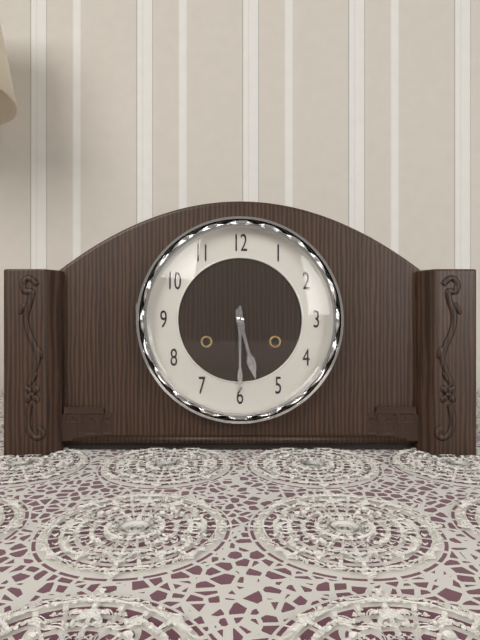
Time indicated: 5:30
